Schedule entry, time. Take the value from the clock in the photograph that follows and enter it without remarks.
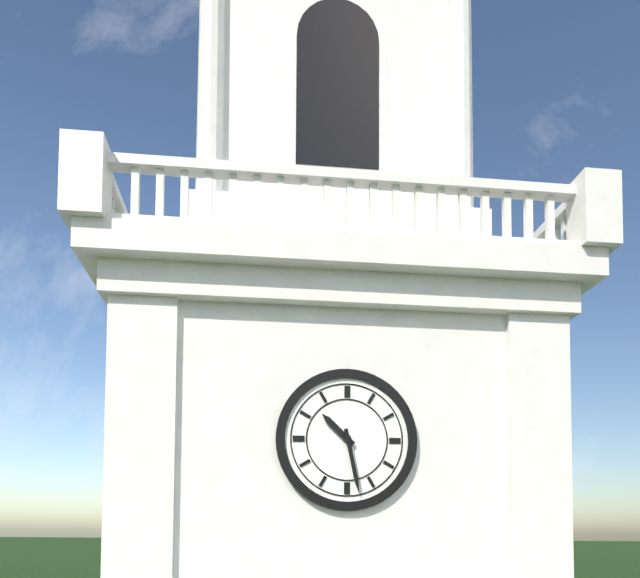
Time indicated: 10:28
